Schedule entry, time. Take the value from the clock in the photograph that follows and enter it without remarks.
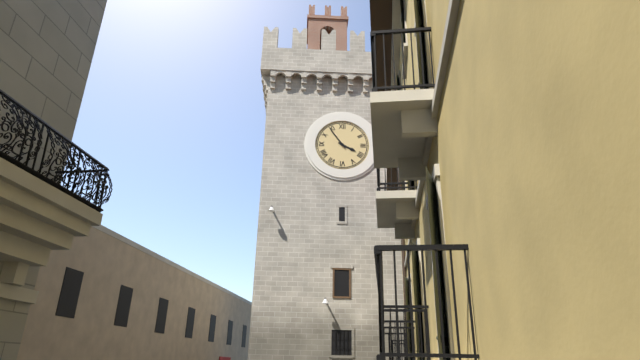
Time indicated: 3:54
